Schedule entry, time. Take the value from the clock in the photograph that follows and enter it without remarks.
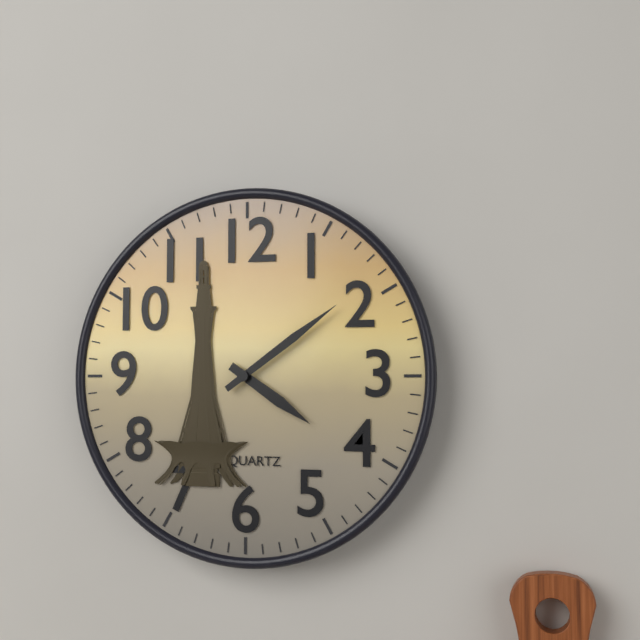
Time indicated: 4:09
